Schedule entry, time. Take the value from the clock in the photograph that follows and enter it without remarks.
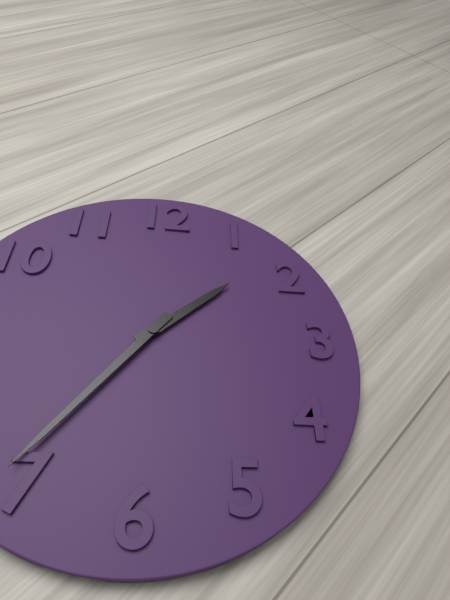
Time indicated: 1:36
